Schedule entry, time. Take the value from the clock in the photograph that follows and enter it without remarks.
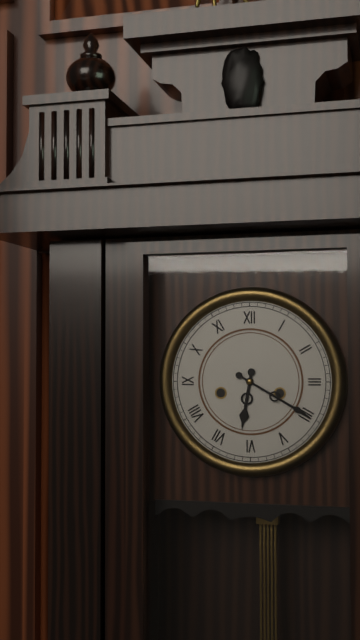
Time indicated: 6:20
